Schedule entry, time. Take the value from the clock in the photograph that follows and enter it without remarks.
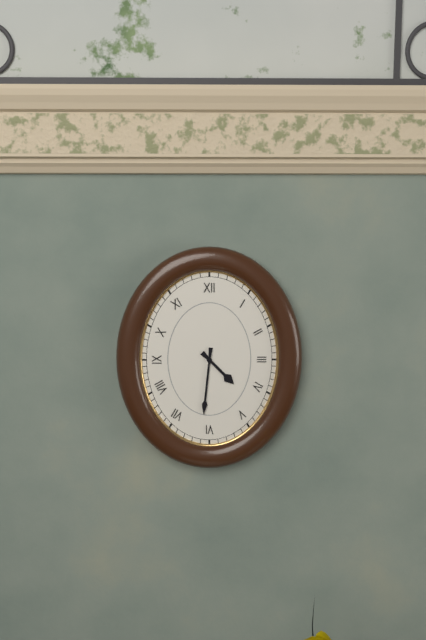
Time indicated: 4:31
